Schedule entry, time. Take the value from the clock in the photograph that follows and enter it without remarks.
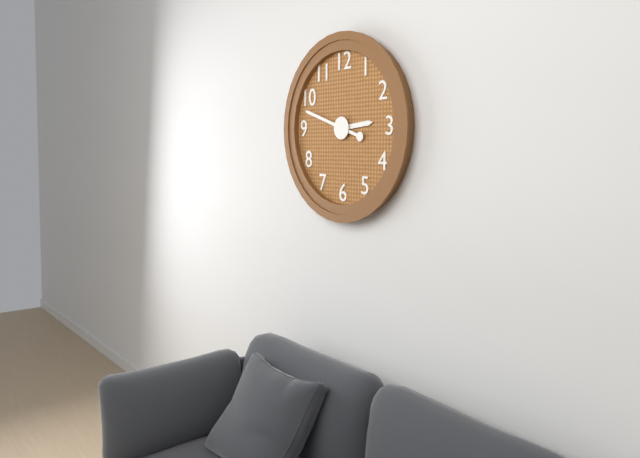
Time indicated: 2:48
